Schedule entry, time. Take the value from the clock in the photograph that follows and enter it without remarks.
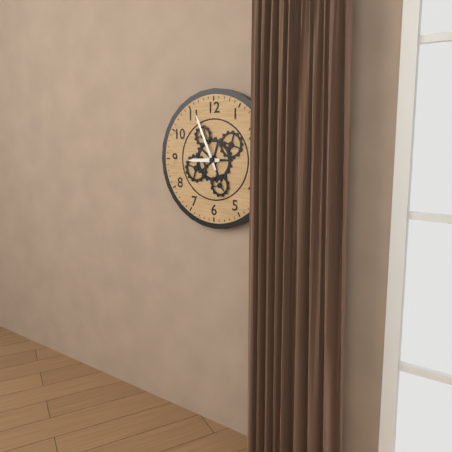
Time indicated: 8:56
